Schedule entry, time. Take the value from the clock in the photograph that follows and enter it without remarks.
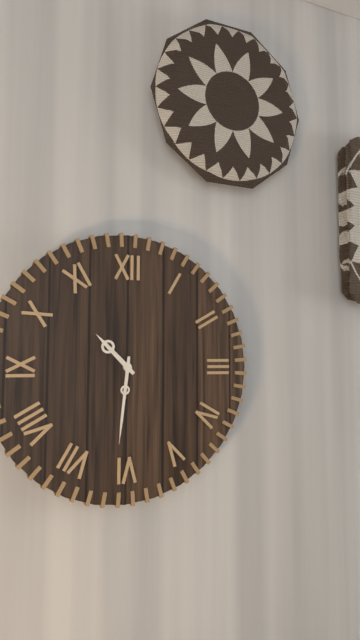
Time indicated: 10:31
